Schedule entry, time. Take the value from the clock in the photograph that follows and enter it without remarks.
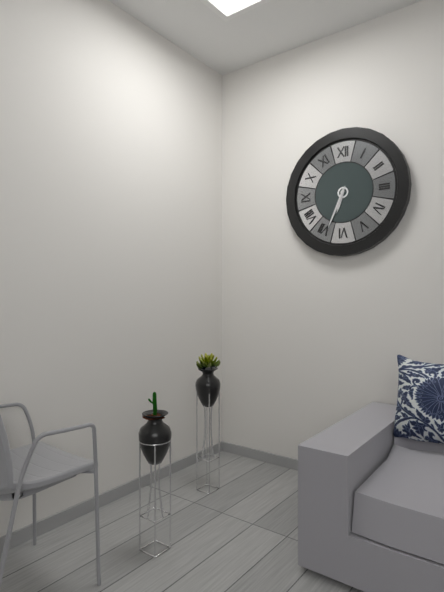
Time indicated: 6:34
